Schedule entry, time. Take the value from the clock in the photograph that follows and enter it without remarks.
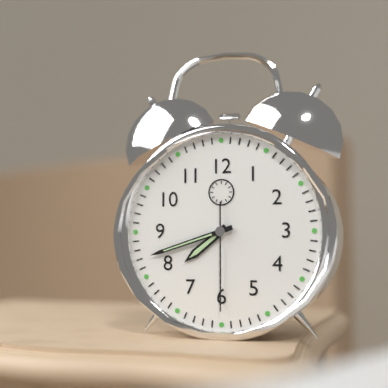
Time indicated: 7:42:30
